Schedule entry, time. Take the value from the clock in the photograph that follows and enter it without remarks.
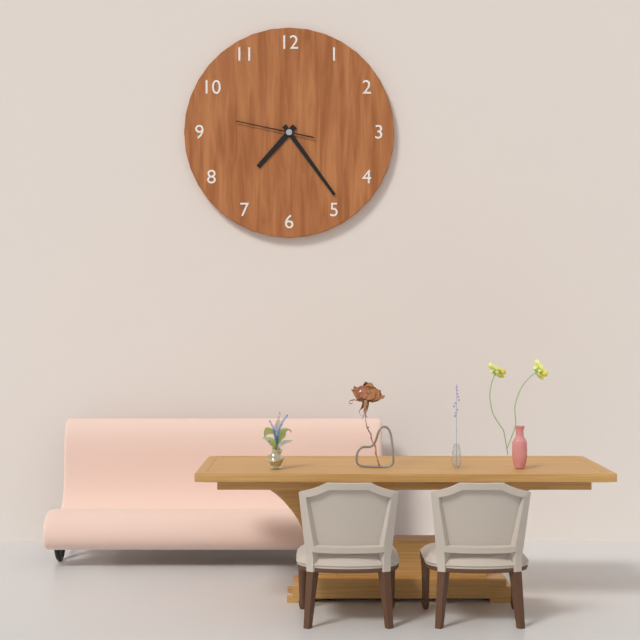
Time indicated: 7:24:47
